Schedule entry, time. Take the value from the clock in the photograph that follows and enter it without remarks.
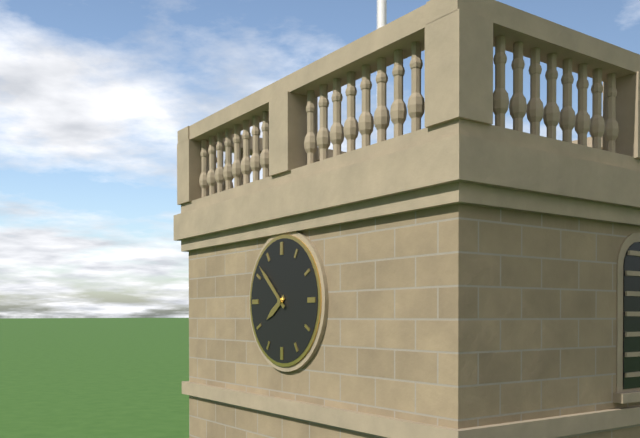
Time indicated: 7:52
